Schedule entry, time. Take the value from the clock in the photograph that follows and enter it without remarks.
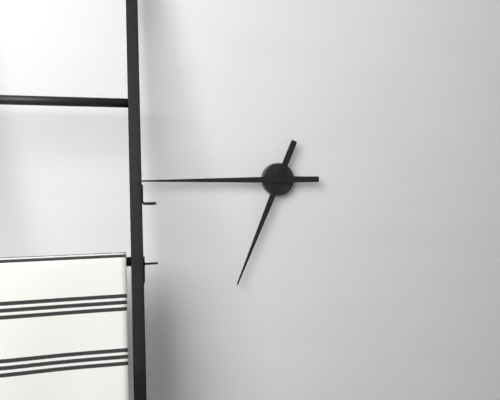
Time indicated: 6:45
